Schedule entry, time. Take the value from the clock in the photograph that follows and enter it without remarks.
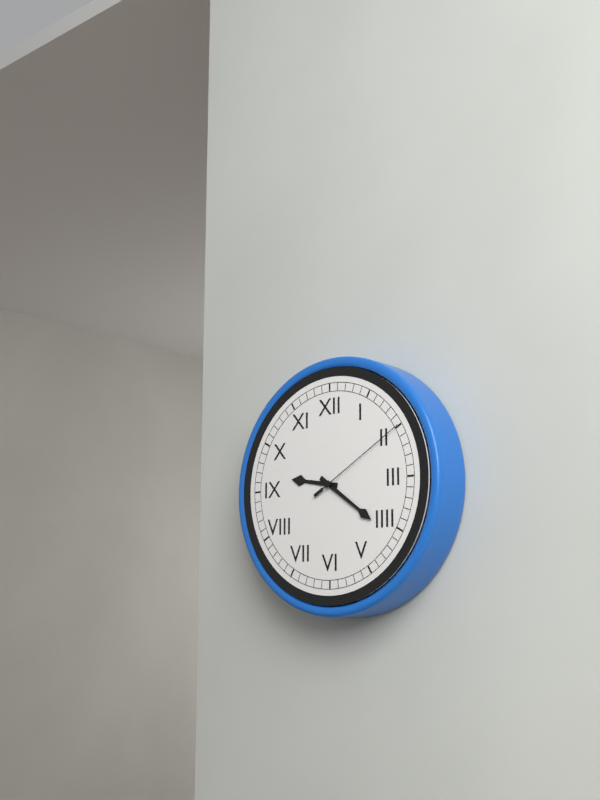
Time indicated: 9:21:10
